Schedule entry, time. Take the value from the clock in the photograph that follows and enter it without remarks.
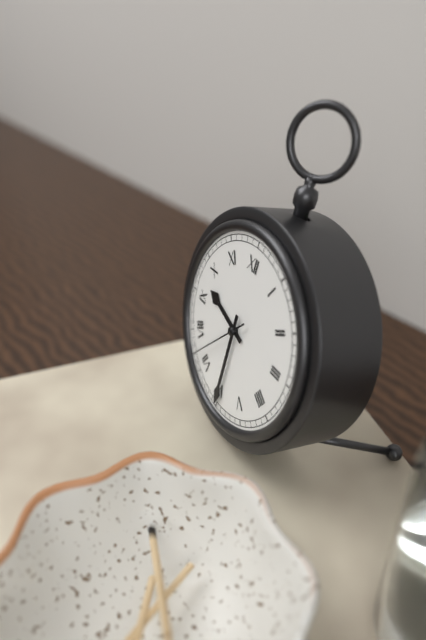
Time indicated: 9:30:37
